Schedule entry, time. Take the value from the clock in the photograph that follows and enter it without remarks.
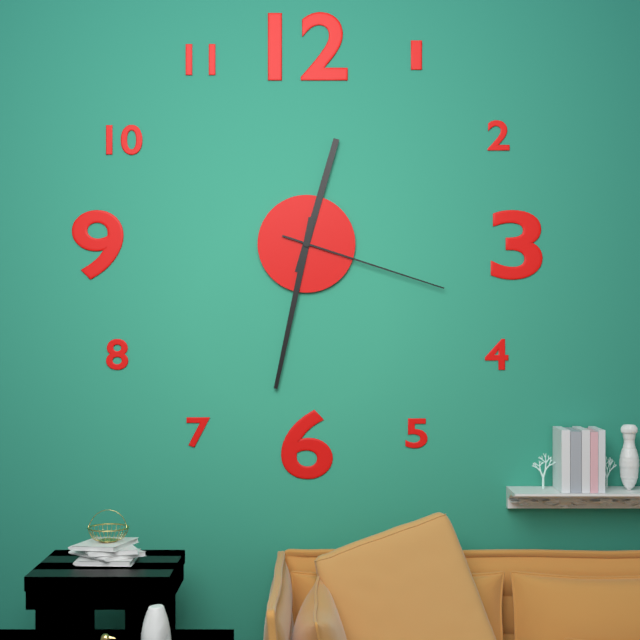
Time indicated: 12:32:18
